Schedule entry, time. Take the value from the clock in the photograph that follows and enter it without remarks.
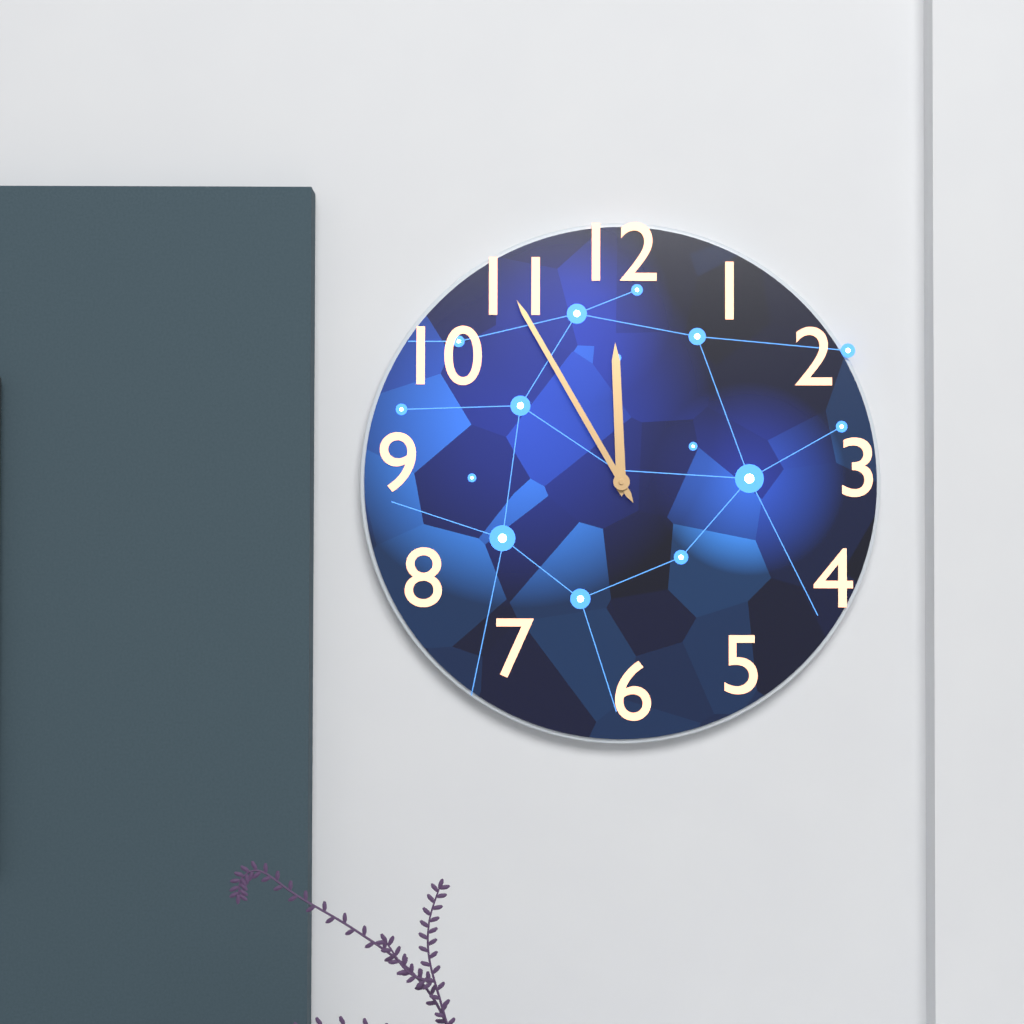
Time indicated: 11:55
